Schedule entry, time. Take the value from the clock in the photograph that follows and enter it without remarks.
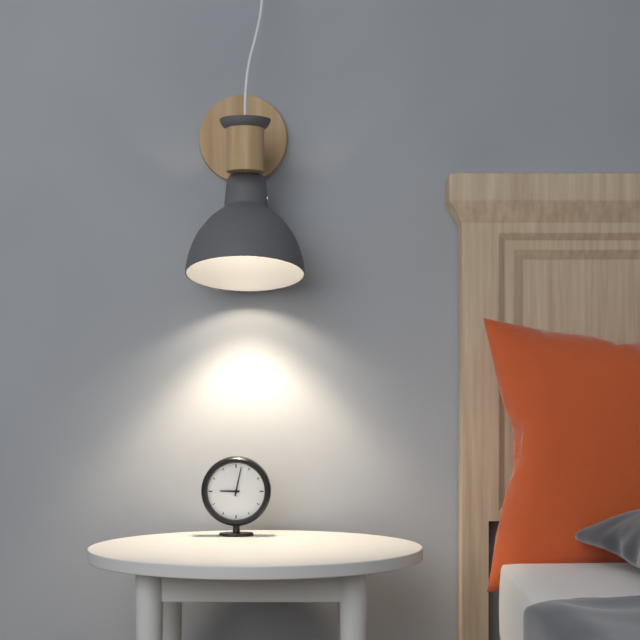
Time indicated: 9:02
